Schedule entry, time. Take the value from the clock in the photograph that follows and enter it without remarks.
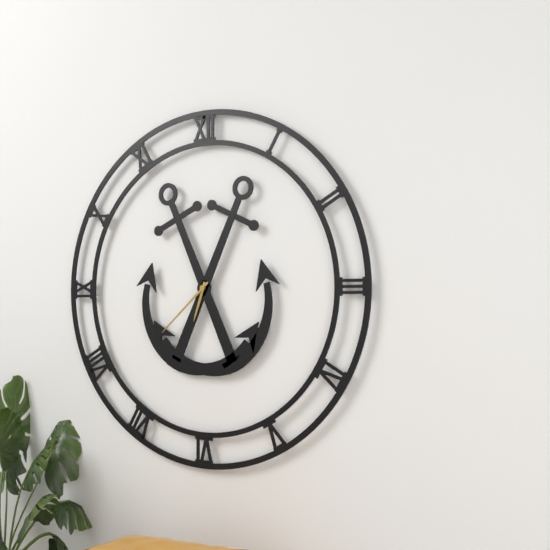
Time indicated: 6:38
